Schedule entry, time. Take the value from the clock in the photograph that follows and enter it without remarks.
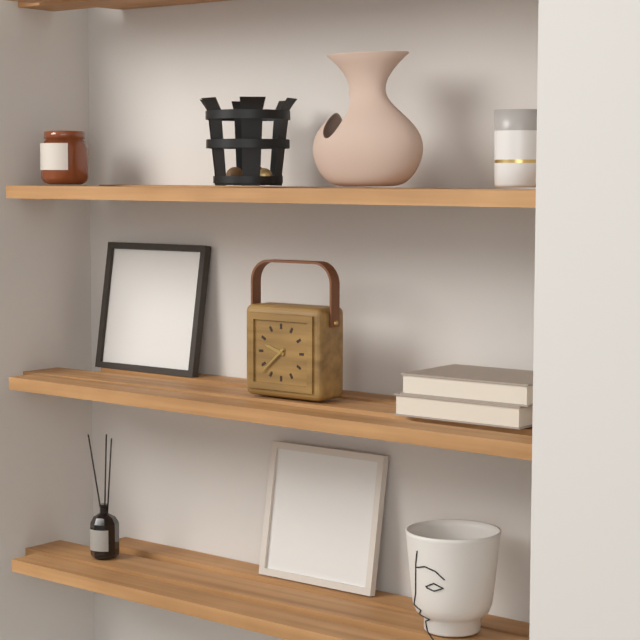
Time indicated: 9:38
